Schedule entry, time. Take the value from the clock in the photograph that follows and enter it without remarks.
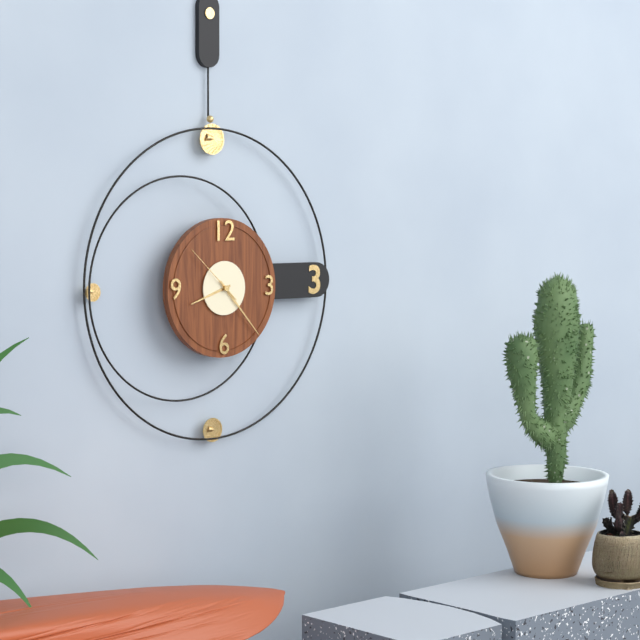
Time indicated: 8:23:52
